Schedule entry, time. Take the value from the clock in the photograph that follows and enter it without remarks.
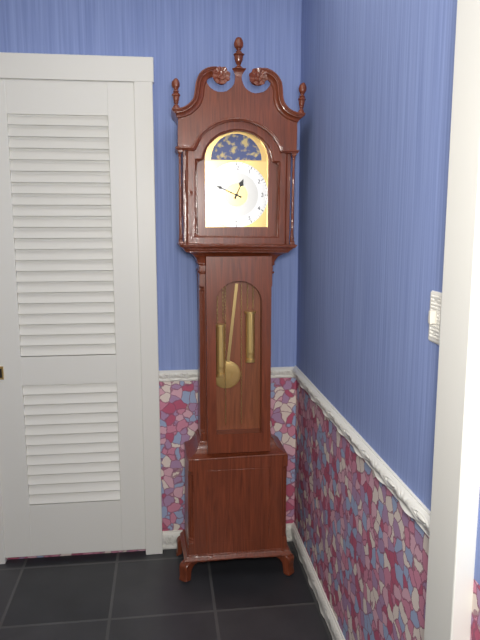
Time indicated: 12:49
